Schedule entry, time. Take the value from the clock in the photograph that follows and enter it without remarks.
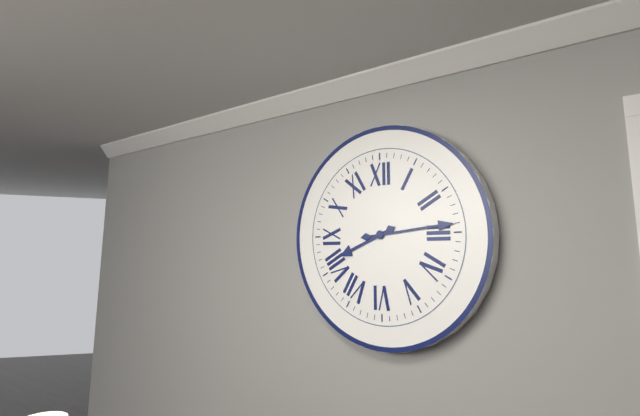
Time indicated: 8:14
